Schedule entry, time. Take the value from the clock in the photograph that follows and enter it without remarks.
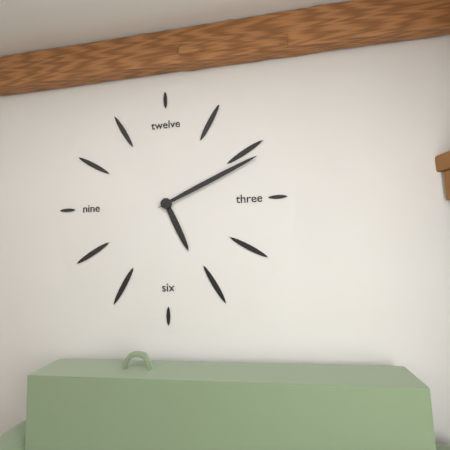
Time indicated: 5:11
